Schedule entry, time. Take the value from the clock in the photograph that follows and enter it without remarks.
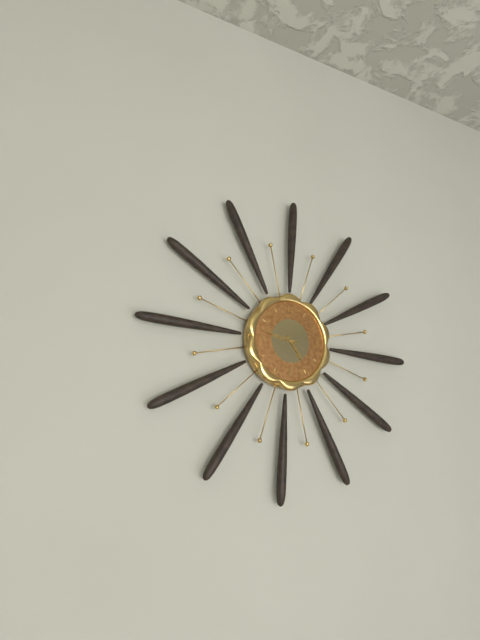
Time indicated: 4:47
